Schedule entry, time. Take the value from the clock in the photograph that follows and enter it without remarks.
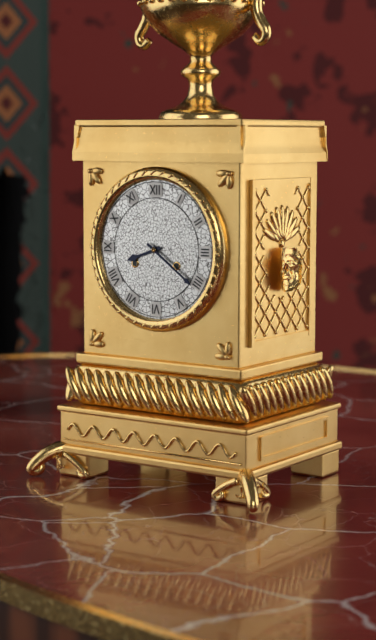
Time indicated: 8:21
